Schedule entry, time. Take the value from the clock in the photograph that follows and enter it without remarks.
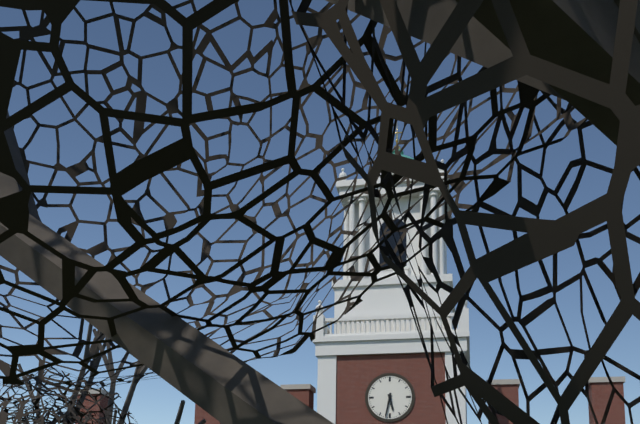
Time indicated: 5:32
